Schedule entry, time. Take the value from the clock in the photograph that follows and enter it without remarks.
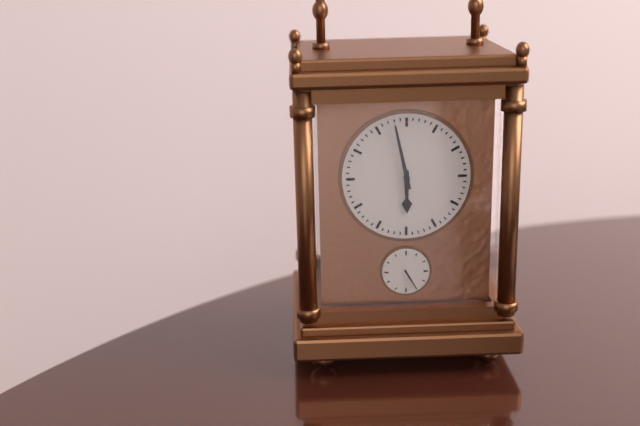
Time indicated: 5:58
